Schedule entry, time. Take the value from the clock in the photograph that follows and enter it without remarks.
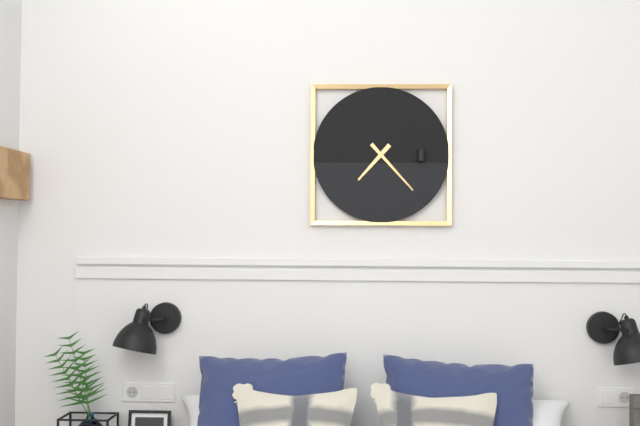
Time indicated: 7:23
